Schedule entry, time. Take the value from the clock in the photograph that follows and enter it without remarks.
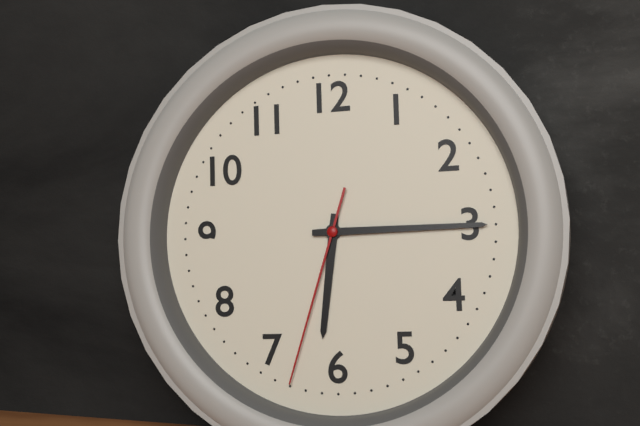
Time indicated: 6:15:33
